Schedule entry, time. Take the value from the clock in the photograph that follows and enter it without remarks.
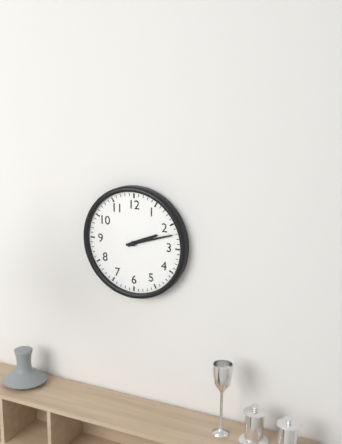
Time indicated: 2:12
